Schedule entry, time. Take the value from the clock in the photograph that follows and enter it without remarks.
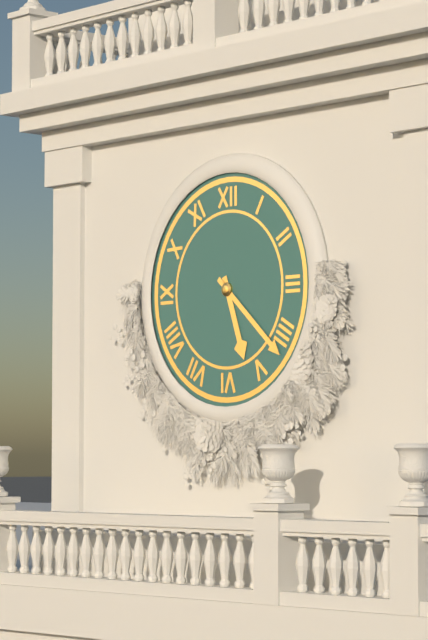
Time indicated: 5:22
